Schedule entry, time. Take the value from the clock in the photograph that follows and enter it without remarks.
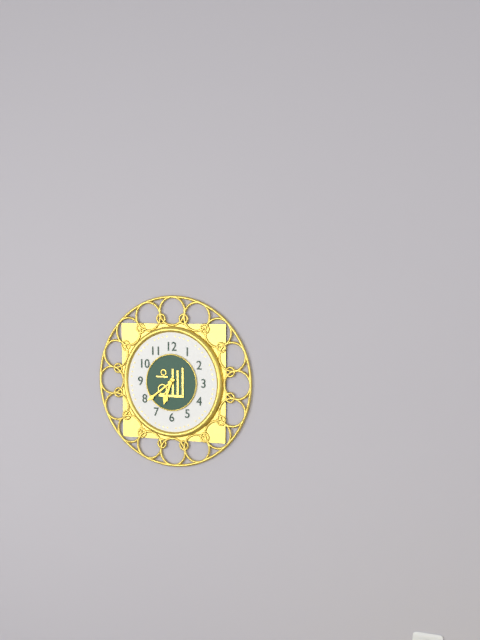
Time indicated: 6:39
